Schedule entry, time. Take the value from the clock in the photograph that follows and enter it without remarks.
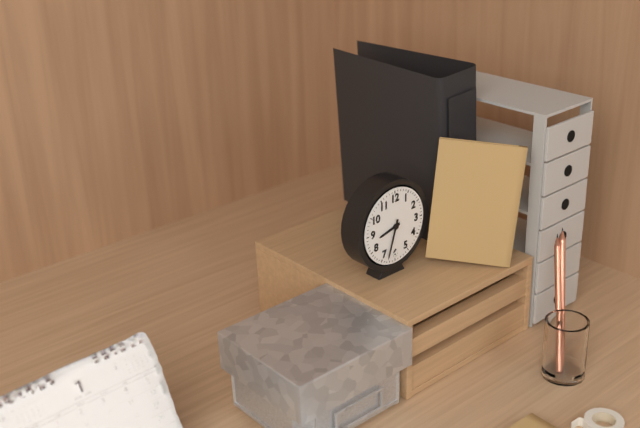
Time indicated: 8:33
